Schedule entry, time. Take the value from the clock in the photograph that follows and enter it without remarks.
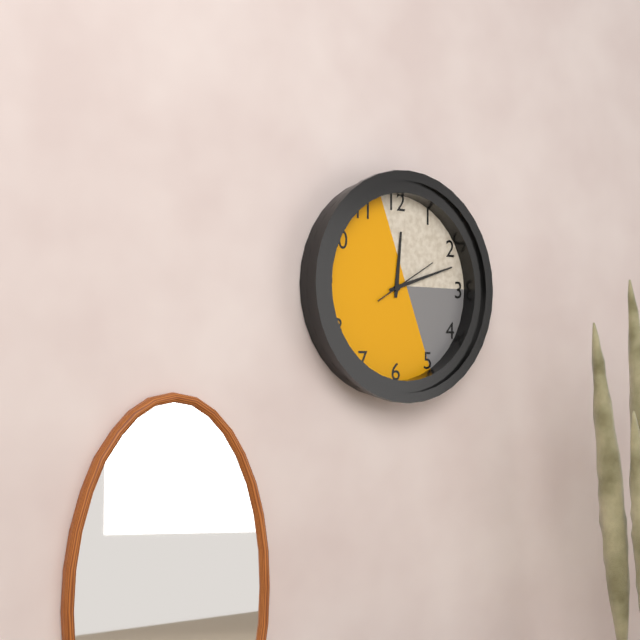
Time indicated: 12:12:10
